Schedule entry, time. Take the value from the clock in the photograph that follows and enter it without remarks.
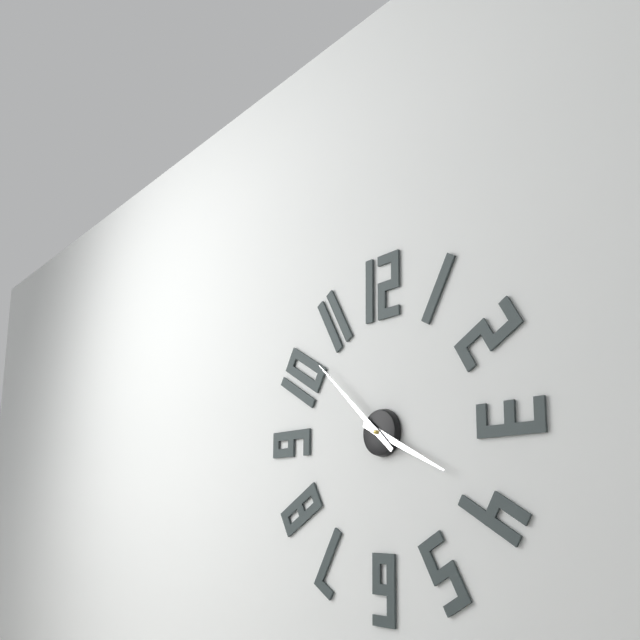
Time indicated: 3:52
